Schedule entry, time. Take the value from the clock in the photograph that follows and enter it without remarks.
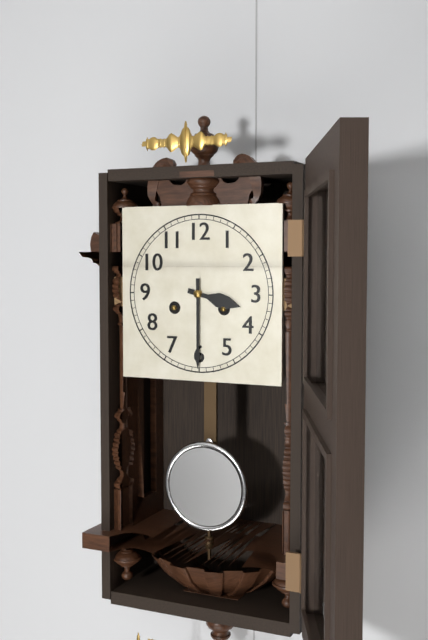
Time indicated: 3:30
